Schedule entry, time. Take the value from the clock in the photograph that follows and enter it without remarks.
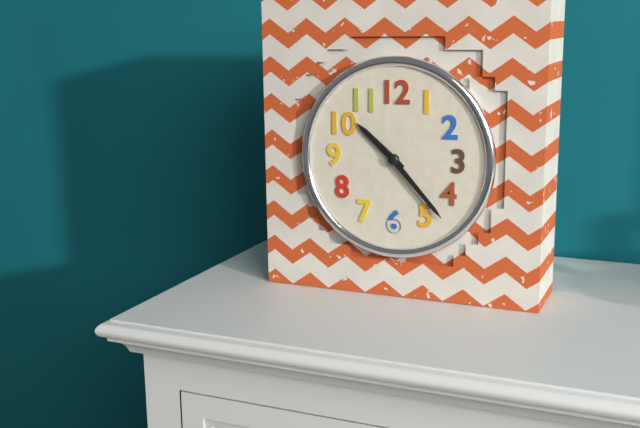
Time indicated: 10:23
